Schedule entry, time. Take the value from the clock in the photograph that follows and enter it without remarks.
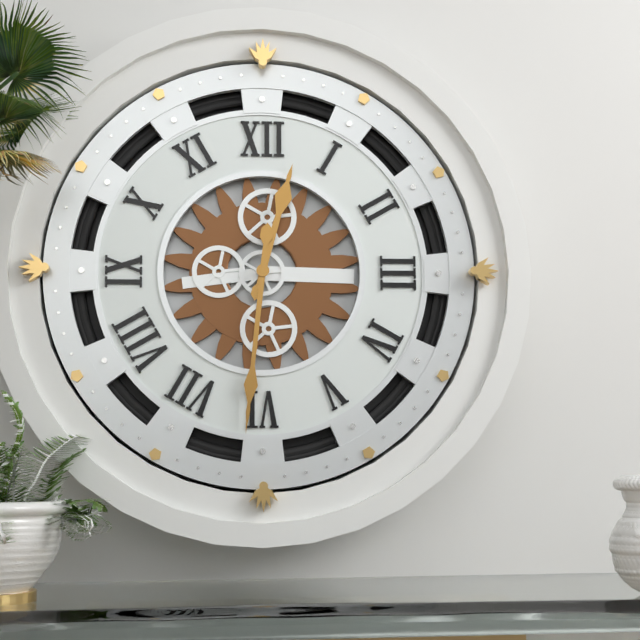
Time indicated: 12:31
